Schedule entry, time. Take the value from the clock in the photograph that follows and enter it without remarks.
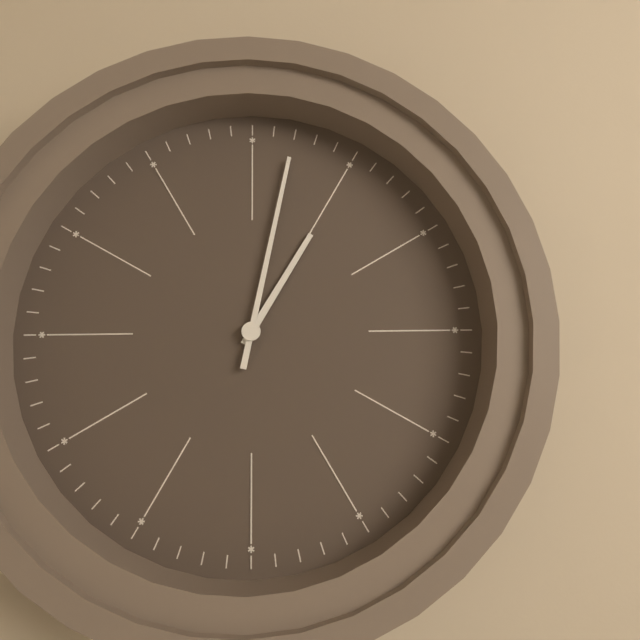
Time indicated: 1:02
